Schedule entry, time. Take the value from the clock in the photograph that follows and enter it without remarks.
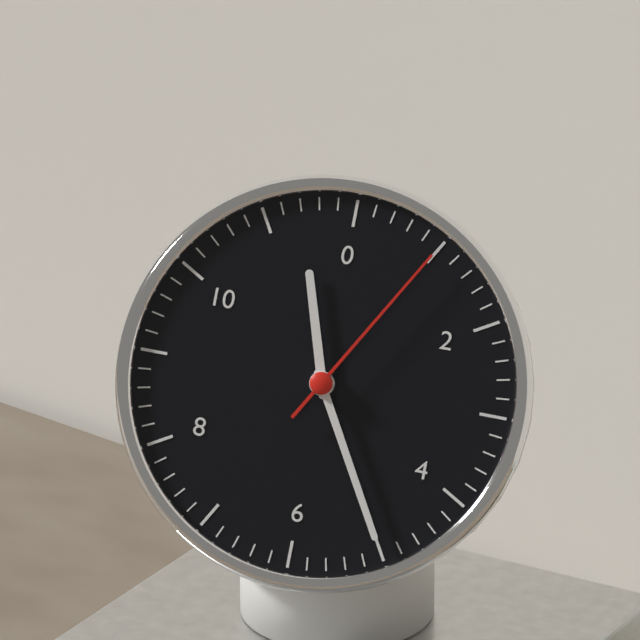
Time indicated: 11:25:05
